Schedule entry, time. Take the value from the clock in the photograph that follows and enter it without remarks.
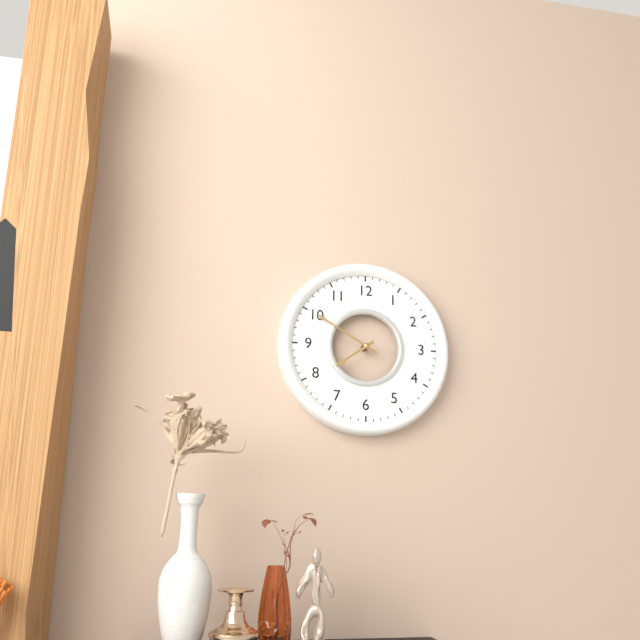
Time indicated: 7:50
